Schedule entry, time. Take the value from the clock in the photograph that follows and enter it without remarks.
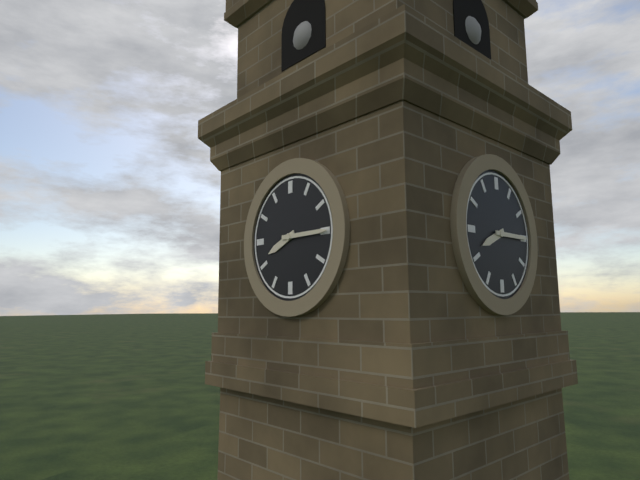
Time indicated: 8:15
